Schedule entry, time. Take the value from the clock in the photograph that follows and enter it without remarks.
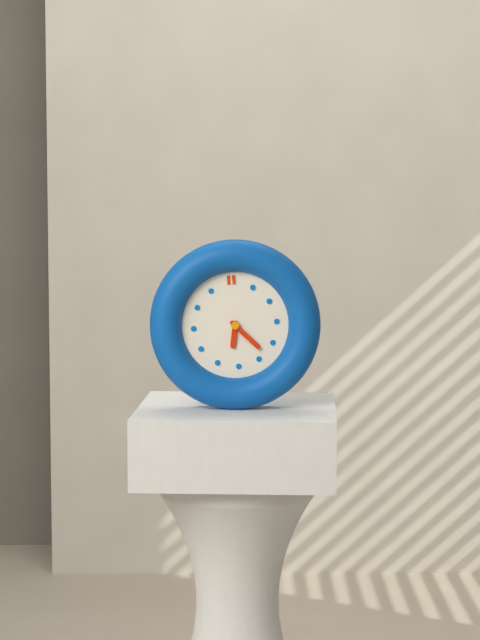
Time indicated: 6:23
